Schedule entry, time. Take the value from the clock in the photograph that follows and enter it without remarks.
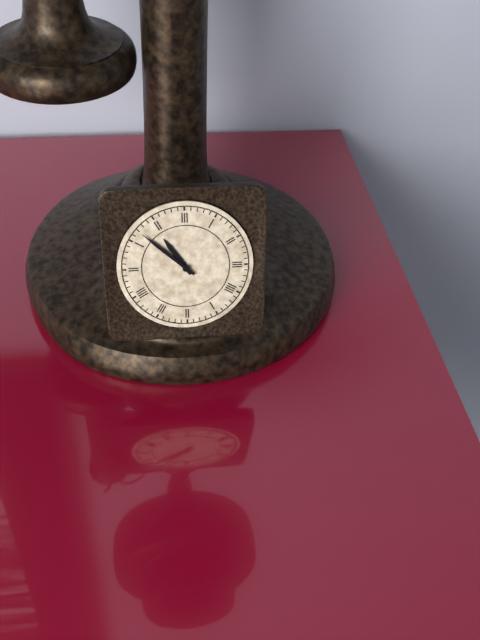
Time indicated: 10:52
